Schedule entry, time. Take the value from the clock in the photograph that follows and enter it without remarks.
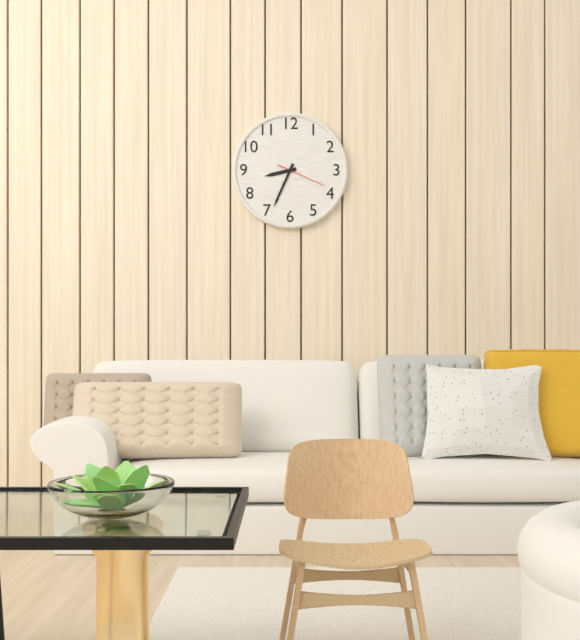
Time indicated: 8:34
